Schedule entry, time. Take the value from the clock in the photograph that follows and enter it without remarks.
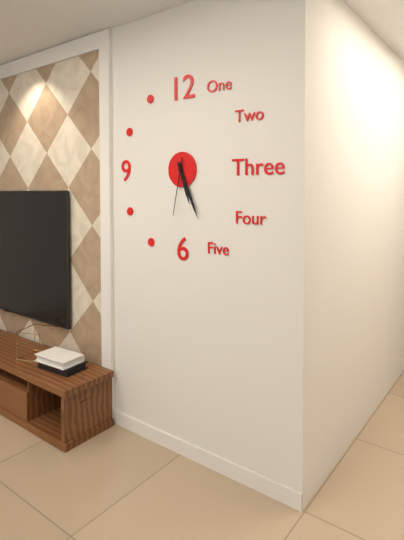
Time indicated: 5:26:32
